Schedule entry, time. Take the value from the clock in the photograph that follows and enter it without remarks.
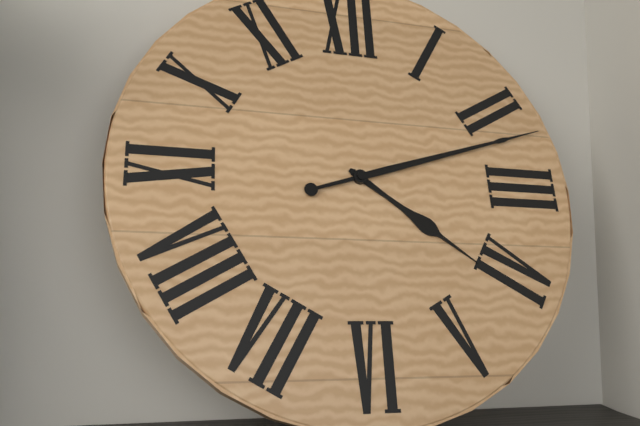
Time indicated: 4:12
